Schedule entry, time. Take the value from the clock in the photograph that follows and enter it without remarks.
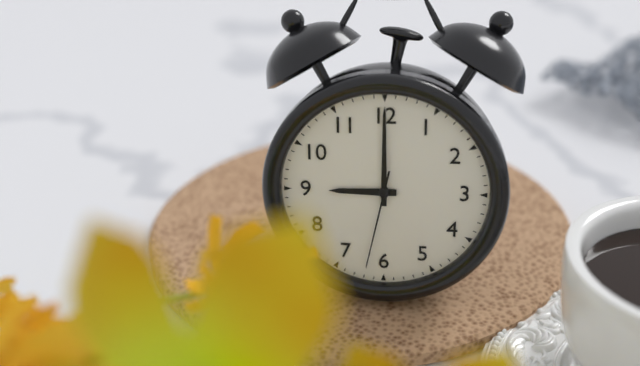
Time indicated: 9:00:32
